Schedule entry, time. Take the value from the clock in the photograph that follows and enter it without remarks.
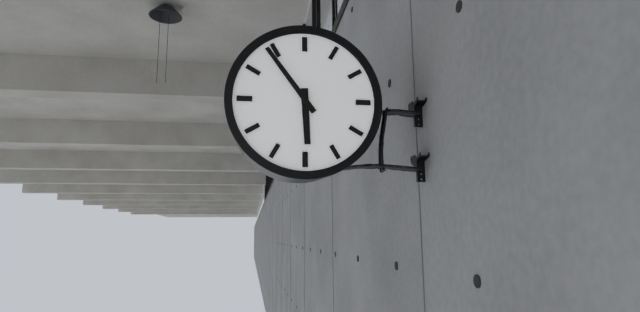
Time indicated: 5:54
